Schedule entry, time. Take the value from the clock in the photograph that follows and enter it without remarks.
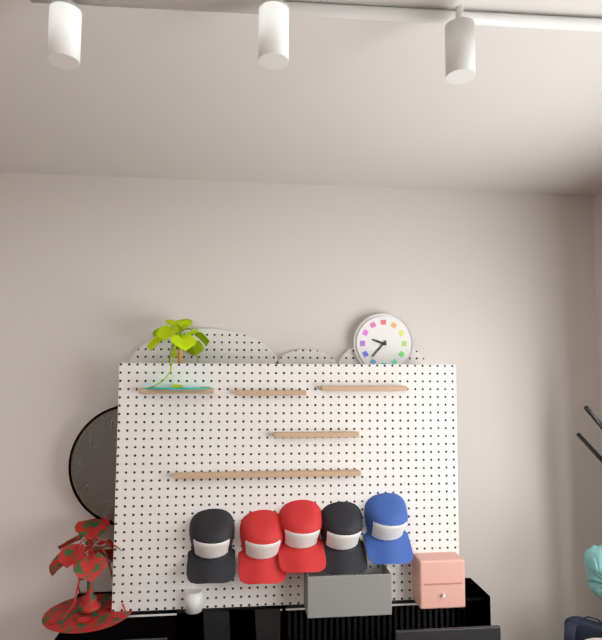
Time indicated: 9:37
